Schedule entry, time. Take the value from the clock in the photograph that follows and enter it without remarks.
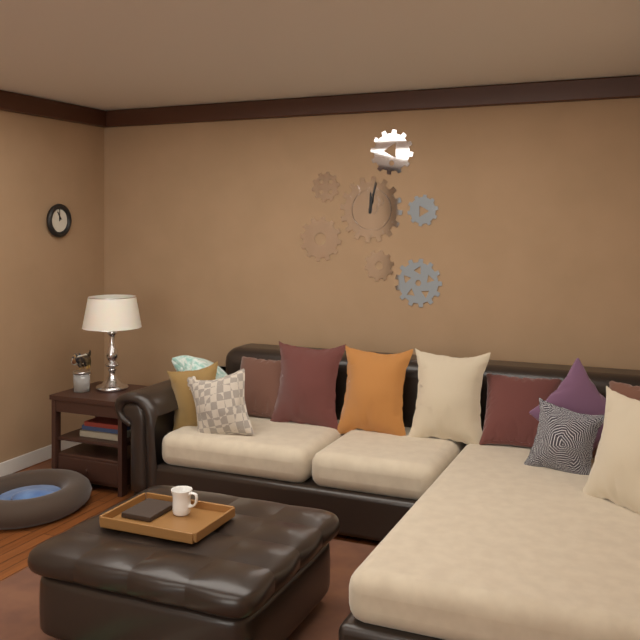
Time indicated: 12:02
